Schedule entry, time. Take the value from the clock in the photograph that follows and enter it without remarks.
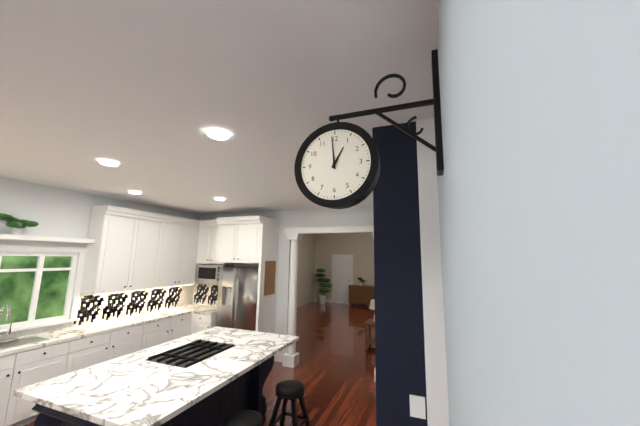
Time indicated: 12:59
